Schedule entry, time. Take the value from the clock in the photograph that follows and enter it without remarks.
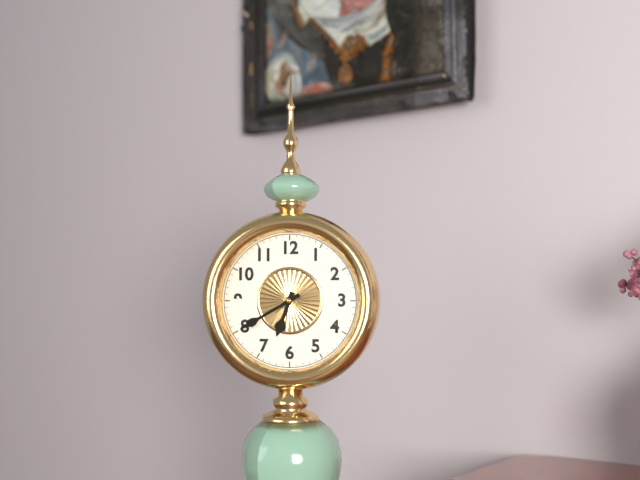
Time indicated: 6:40
